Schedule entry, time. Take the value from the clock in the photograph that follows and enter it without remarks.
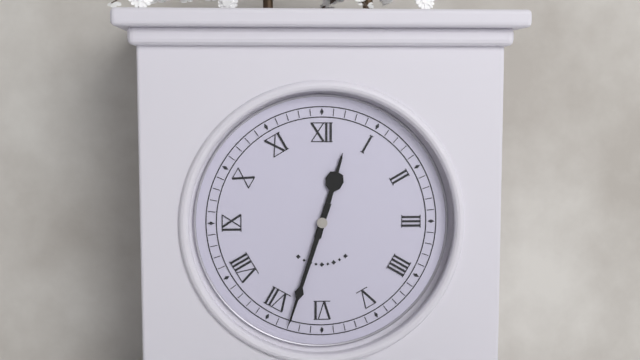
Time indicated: 12:33
